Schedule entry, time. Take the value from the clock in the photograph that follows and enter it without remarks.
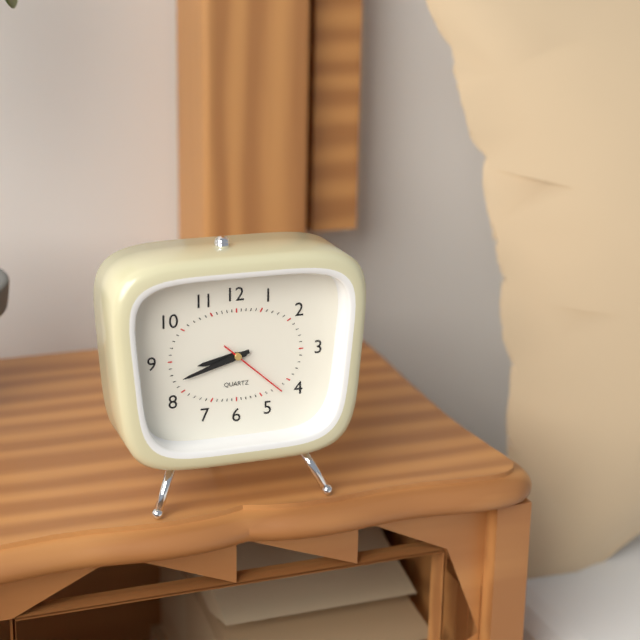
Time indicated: 8:42:22
